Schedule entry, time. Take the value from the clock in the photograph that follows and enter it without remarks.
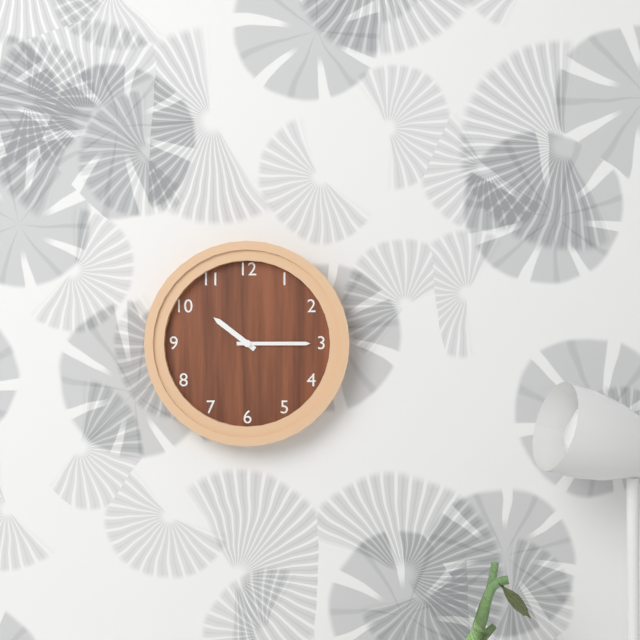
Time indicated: 10:15
